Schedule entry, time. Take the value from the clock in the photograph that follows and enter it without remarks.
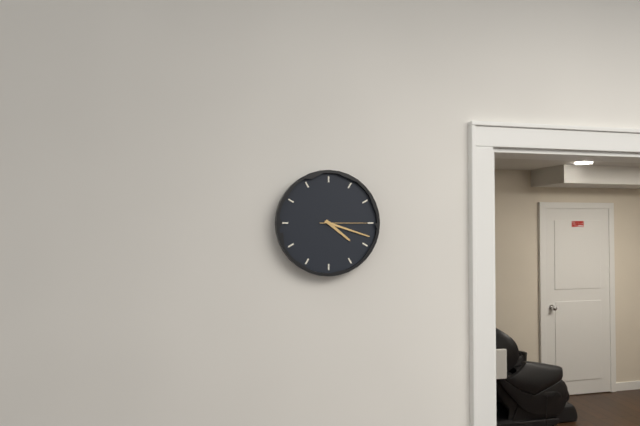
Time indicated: 4:18:15
